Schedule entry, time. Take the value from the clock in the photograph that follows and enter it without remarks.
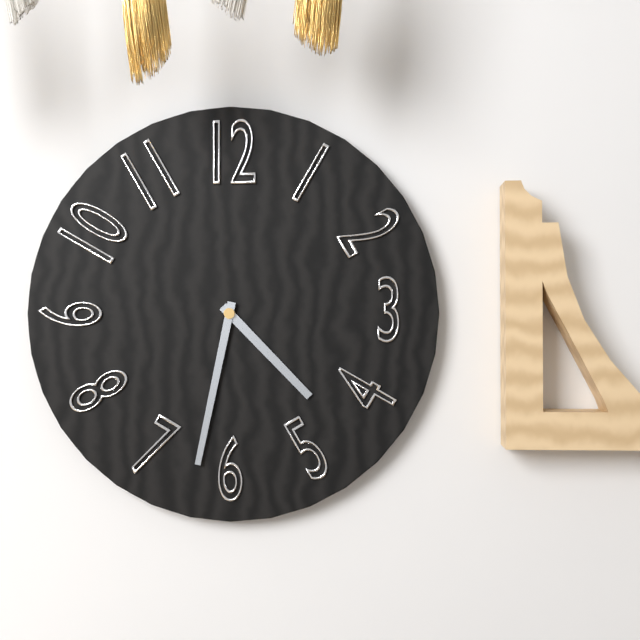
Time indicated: 4:32
